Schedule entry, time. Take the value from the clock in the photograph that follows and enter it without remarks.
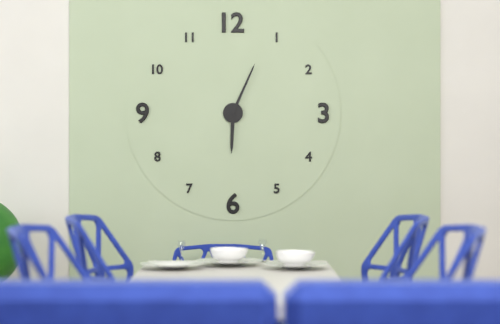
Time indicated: 6:04
